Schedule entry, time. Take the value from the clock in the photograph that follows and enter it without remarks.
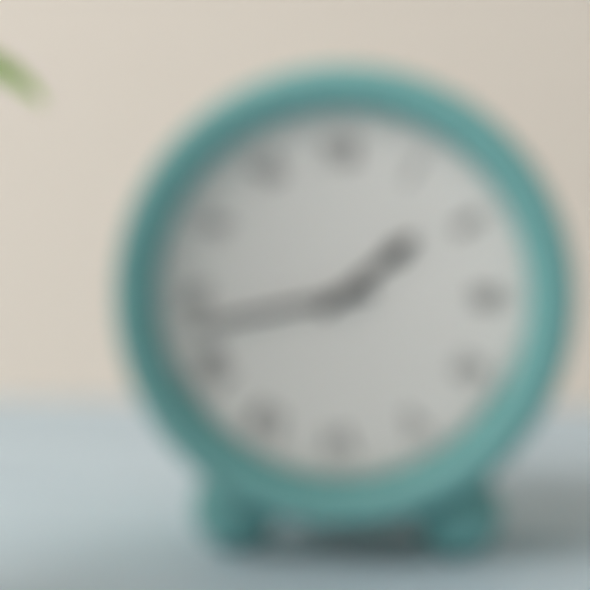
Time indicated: 1:43
